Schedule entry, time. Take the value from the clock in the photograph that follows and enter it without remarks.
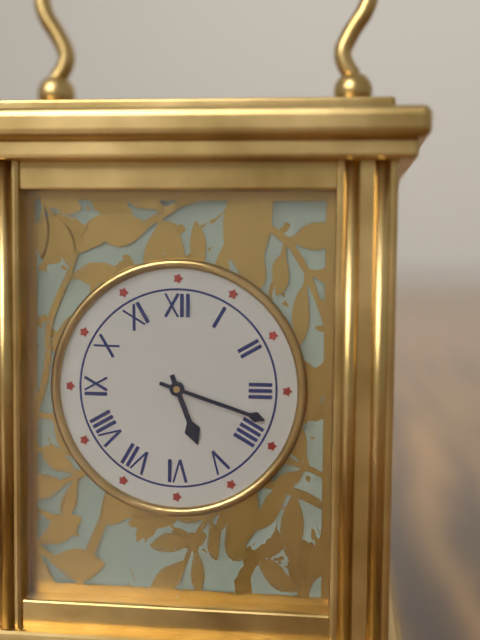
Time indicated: 5:18
